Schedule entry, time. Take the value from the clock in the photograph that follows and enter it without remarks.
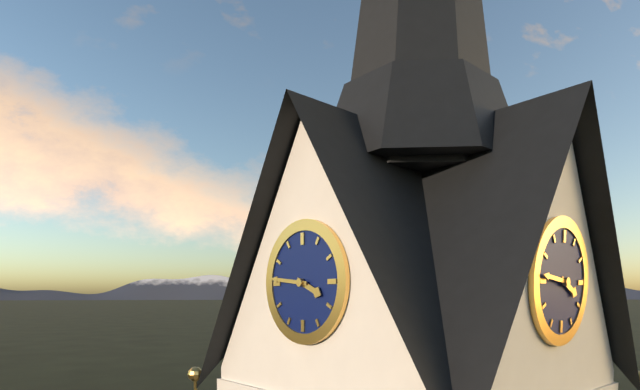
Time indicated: 3:46
